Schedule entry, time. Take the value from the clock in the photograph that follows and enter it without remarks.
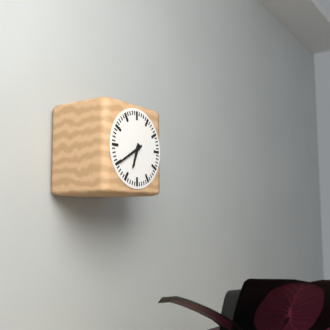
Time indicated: 6:40
